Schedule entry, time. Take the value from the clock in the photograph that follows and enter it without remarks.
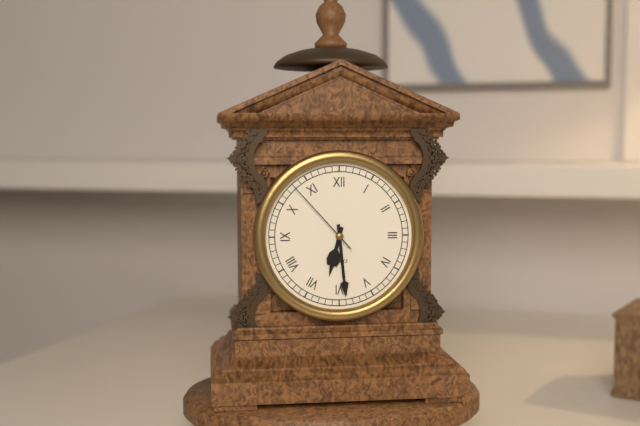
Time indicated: 6:29:53
